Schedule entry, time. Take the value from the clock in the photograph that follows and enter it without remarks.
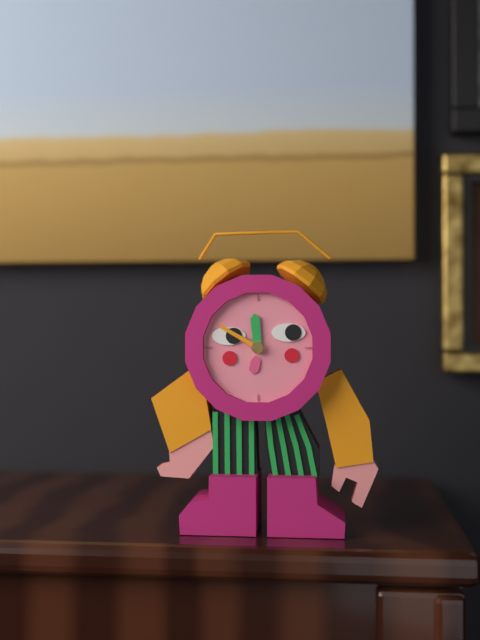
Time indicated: 11:50
